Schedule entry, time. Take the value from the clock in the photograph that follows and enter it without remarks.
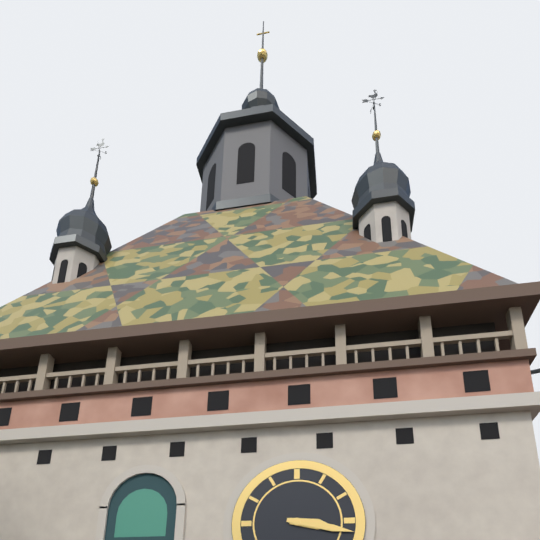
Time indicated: 3:17
